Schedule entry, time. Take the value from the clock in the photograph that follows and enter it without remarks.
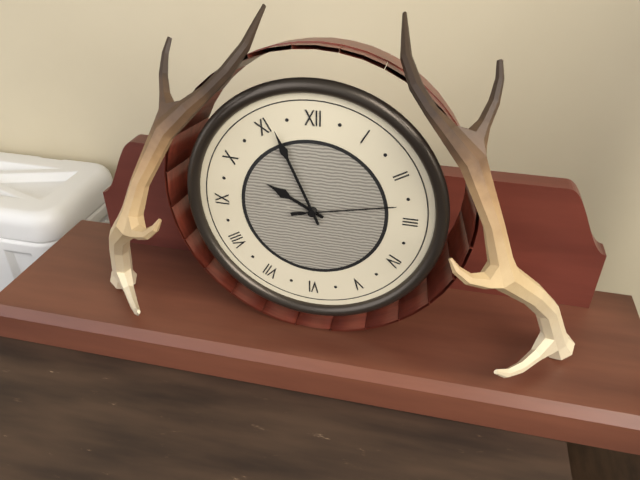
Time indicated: 9:56:13
